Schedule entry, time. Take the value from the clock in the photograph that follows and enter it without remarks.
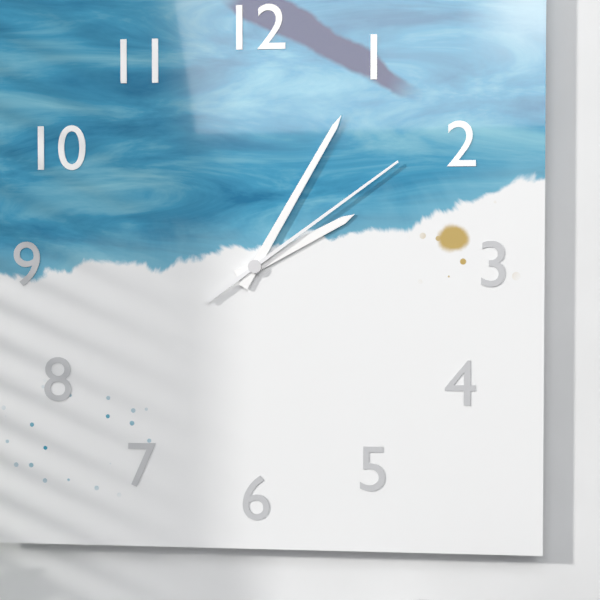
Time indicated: 2:05:09
